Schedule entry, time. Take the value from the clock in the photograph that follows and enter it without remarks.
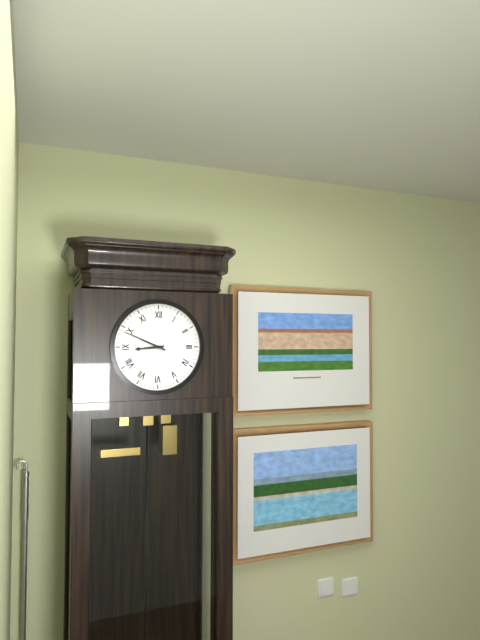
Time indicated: 8:49
